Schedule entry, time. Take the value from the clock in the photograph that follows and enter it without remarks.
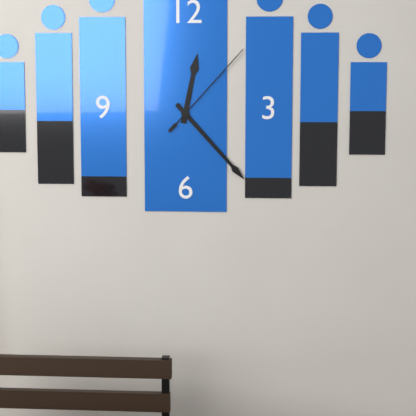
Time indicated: 12:23:07
